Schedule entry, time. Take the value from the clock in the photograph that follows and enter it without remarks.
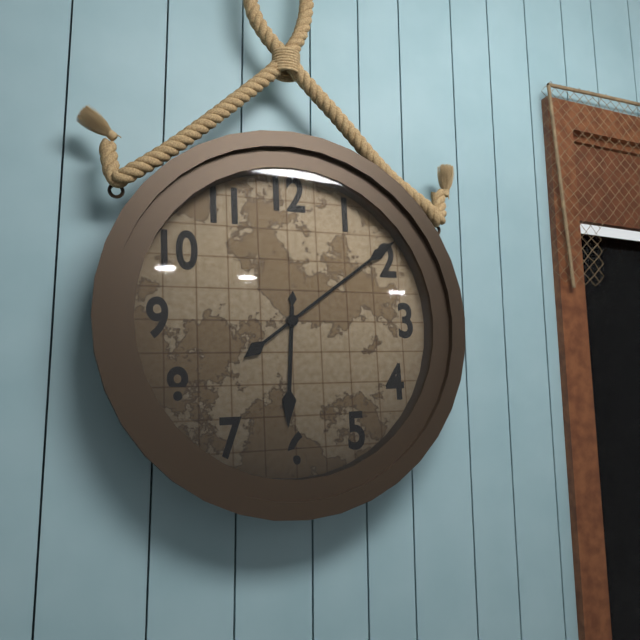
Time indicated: 6:09
